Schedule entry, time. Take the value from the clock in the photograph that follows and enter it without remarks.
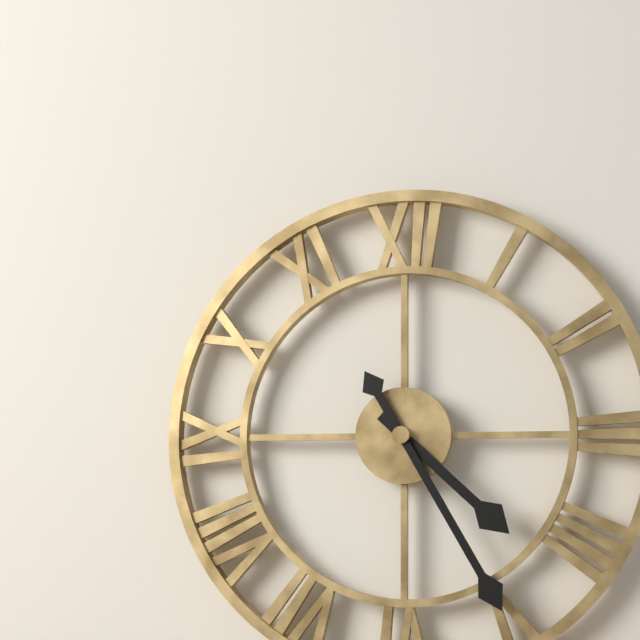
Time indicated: 4:25
